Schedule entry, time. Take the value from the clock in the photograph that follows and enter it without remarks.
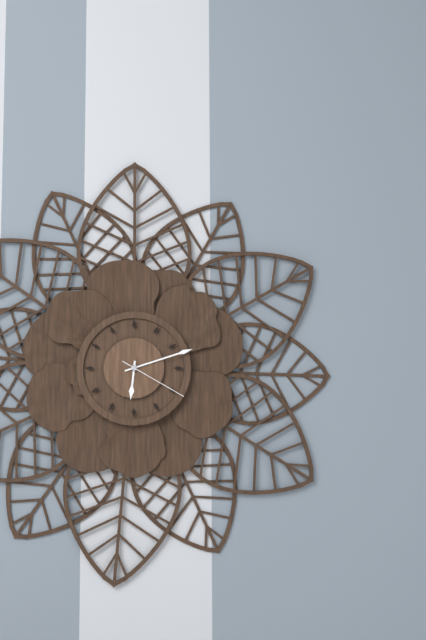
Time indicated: 6:12:20
